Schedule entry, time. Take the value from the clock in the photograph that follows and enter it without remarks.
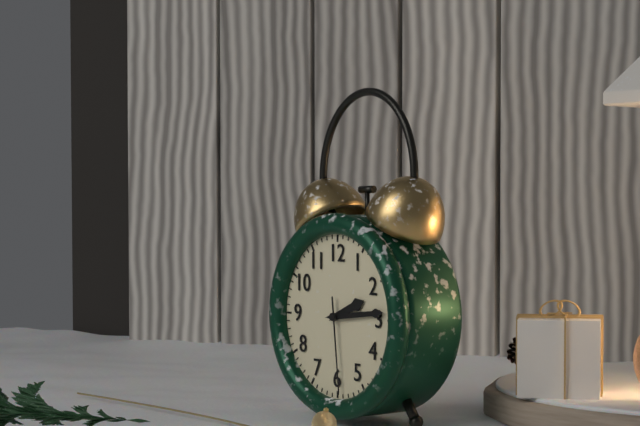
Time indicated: 2:14:29
